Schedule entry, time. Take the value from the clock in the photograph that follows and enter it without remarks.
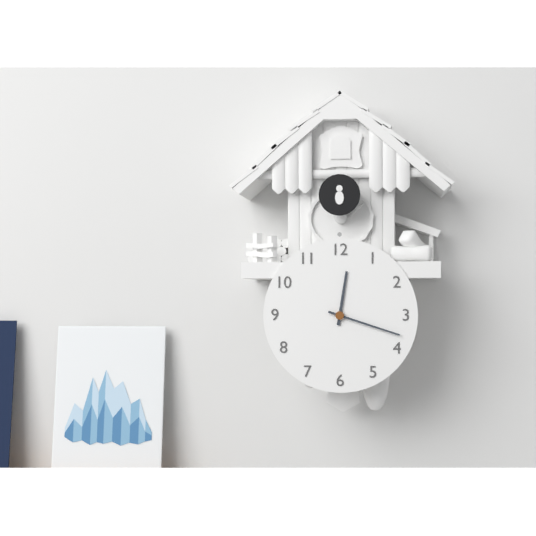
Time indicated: 12:18
